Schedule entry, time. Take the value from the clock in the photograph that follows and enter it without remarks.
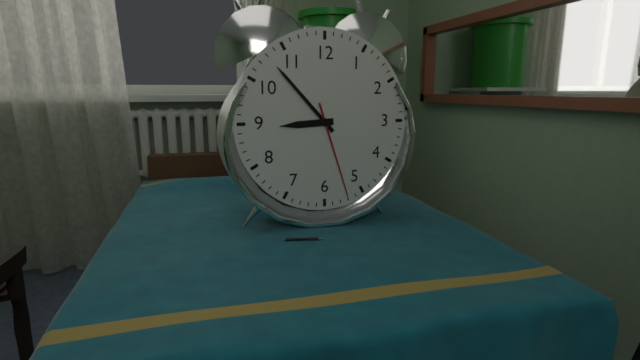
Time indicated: 8:53:27
